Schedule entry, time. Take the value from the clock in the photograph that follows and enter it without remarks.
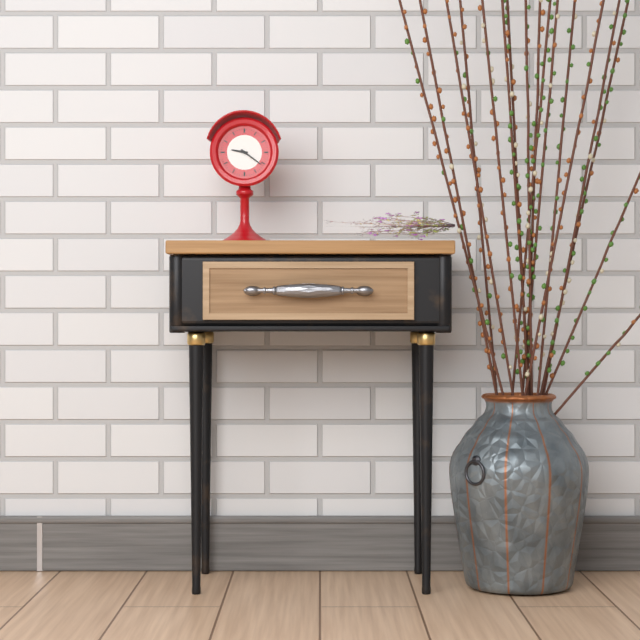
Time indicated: 9:21
